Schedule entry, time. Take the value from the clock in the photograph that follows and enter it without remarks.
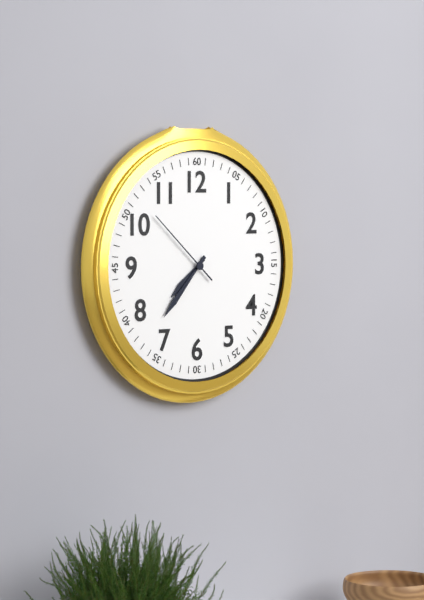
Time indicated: 7:37:52
